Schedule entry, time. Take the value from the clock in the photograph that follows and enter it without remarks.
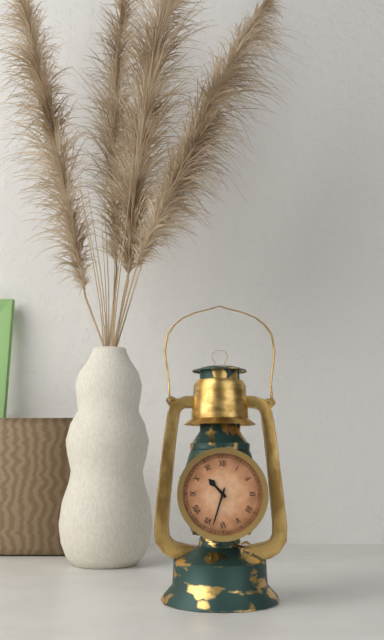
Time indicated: 10:33
